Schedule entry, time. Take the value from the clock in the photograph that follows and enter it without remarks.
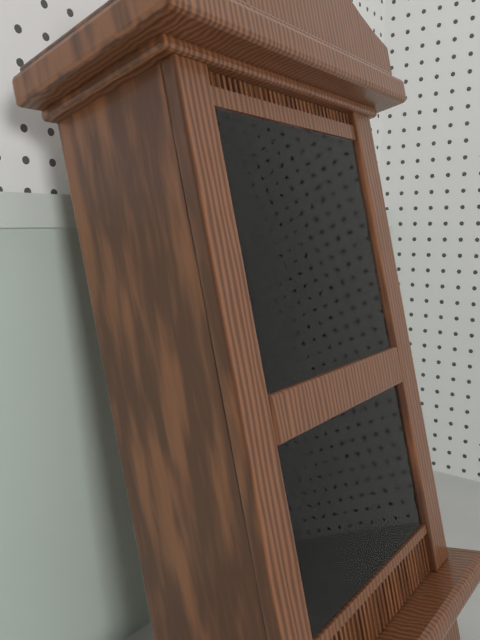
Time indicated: 1:00
